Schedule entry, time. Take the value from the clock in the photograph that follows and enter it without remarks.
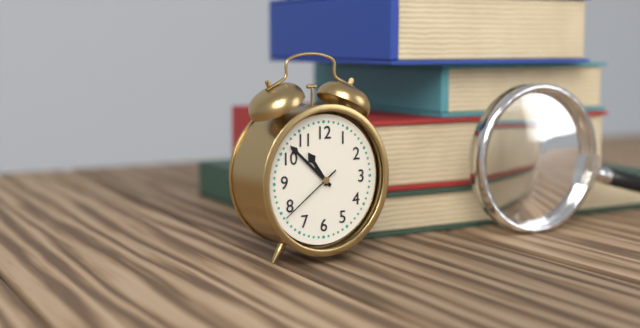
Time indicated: 10:52:39
